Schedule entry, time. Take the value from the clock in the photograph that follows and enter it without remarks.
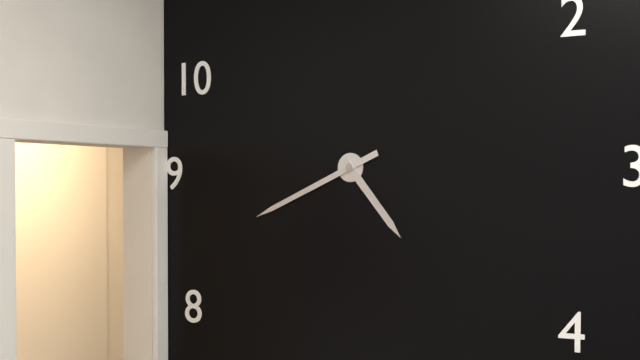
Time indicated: 4:41
